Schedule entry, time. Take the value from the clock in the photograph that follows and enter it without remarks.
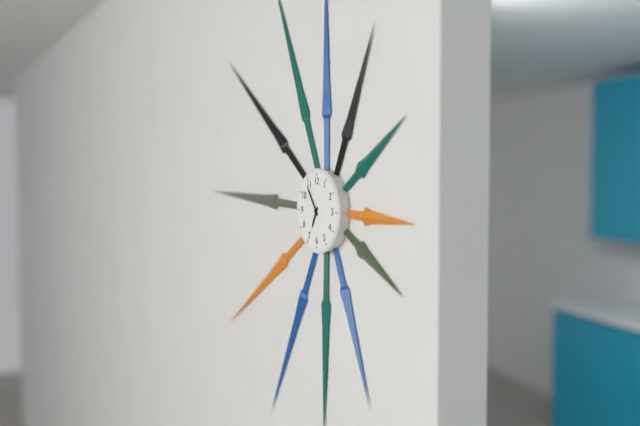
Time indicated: 6:54
